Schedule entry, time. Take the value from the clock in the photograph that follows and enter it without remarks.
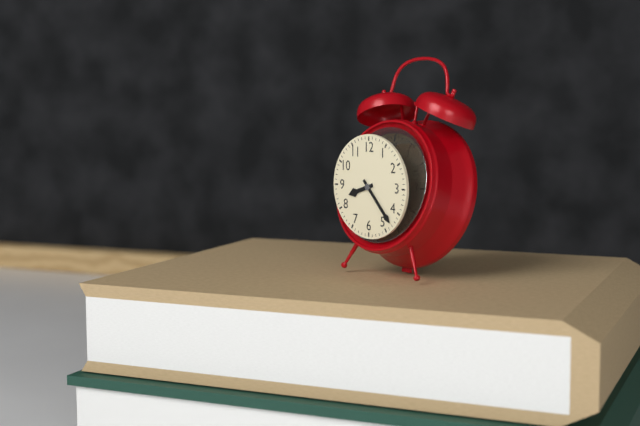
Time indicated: 8:23
